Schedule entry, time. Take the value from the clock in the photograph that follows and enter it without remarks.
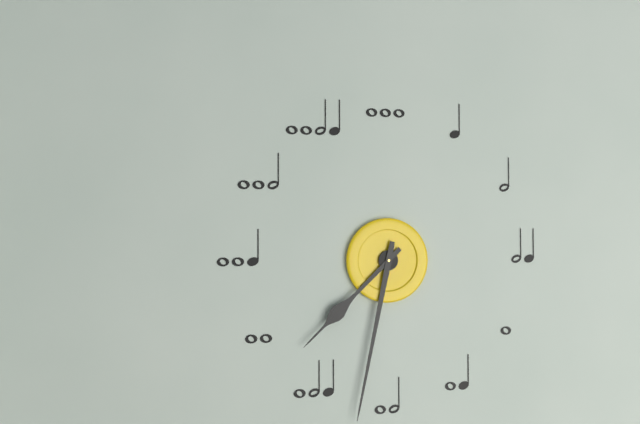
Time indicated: 7:32
